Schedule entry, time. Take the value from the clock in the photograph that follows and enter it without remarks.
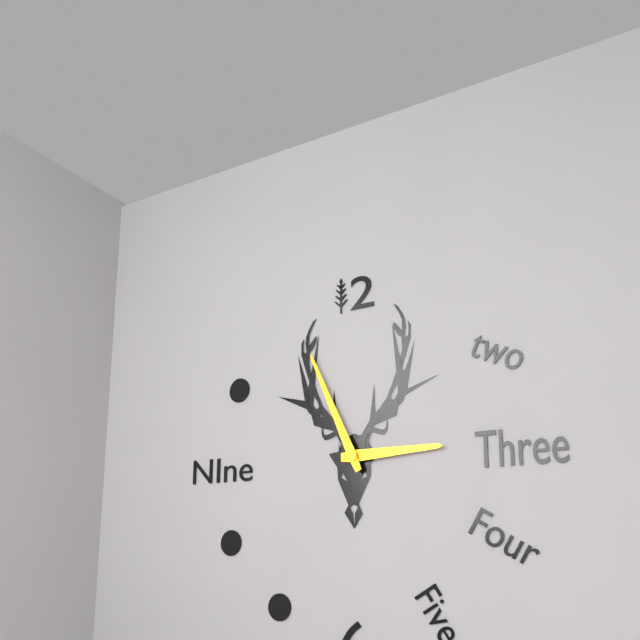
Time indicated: 2:56
